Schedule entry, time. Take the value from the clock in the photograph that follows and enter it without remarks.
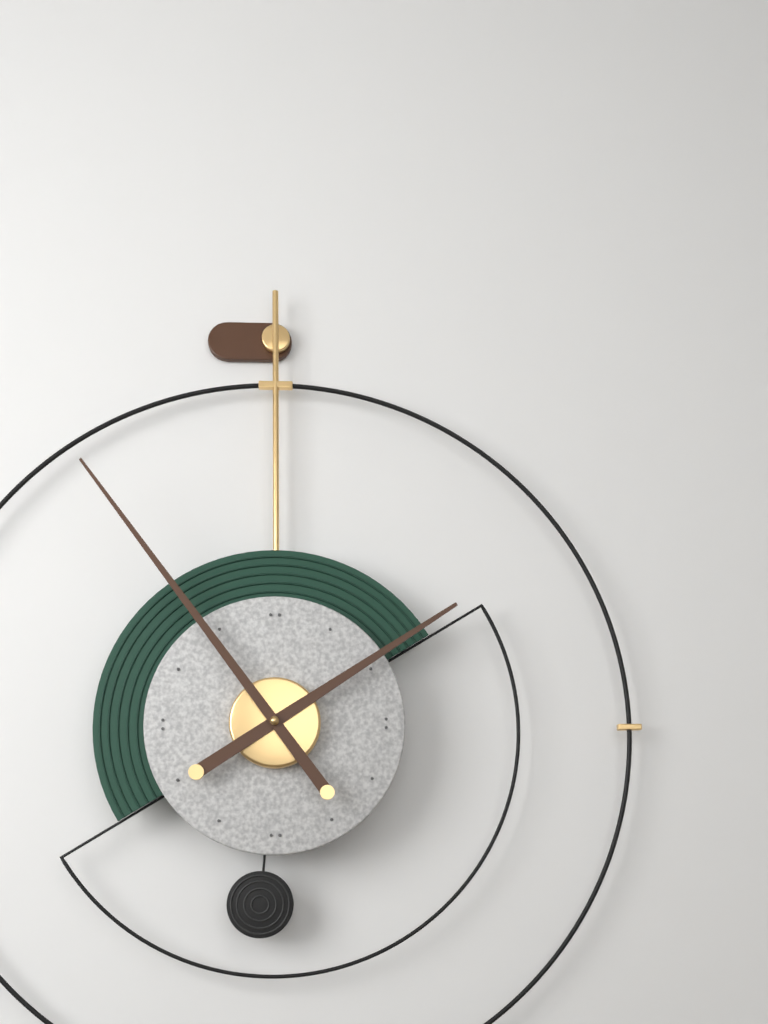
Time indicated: 1:54
